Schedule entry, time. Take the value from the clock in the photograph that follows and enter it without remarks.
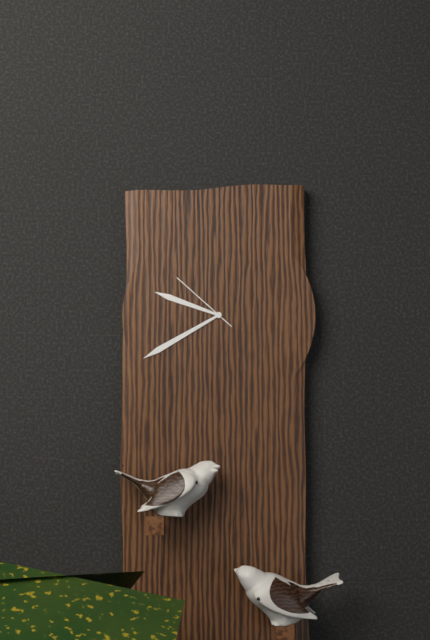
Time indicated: 9:40:52
